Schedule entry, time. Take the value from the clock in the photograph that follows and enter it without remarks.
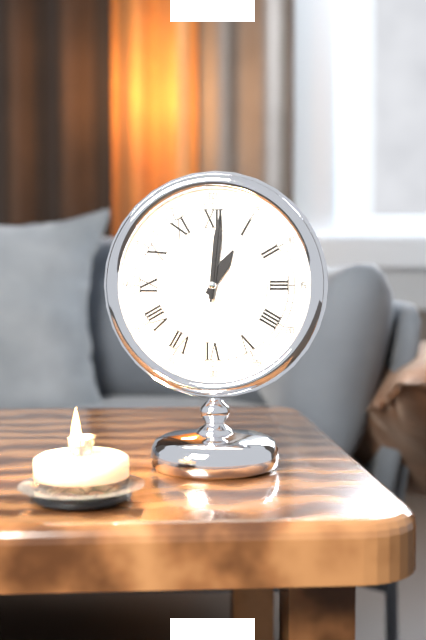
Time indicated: 1:01:01
